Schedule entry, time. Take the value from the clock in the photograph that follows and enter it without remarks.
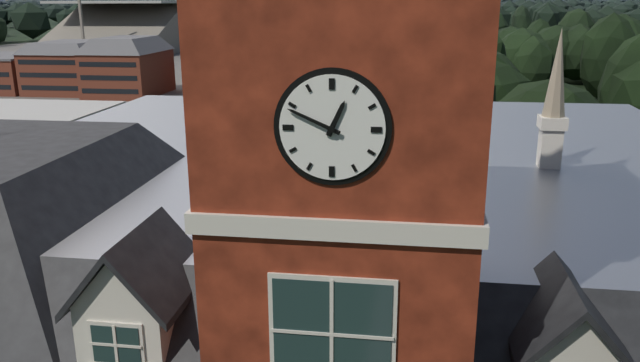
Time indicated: 12:49
